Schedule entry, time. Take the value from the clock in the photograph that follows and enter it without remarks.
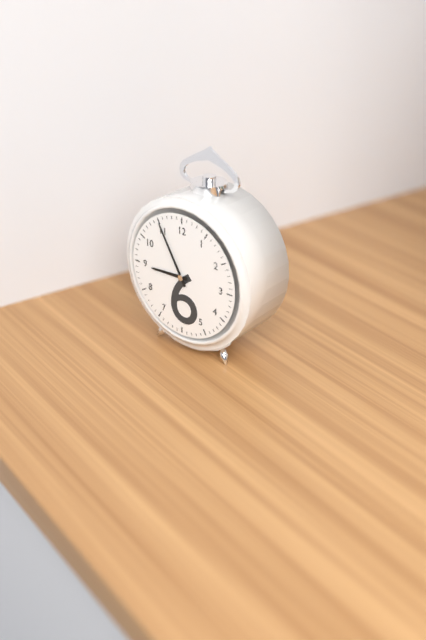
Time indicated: 8:55
